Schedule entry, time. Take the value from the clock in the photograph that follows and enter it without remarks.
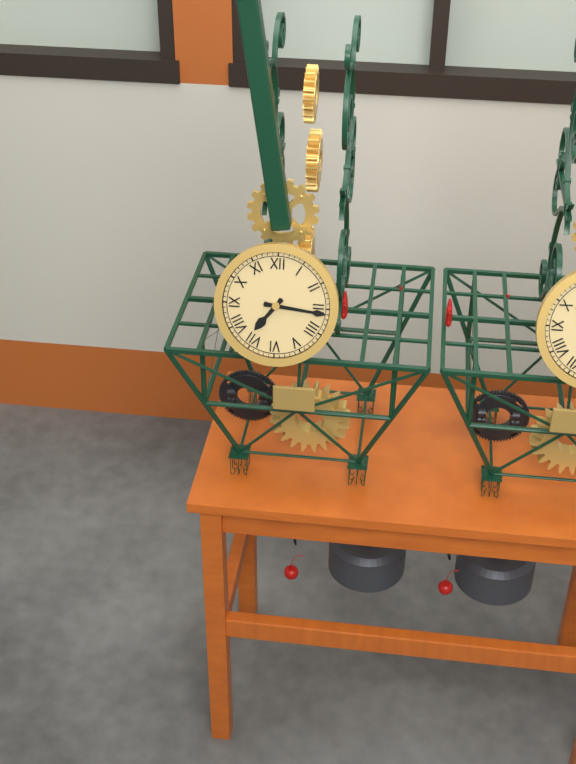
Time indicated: 7:16
